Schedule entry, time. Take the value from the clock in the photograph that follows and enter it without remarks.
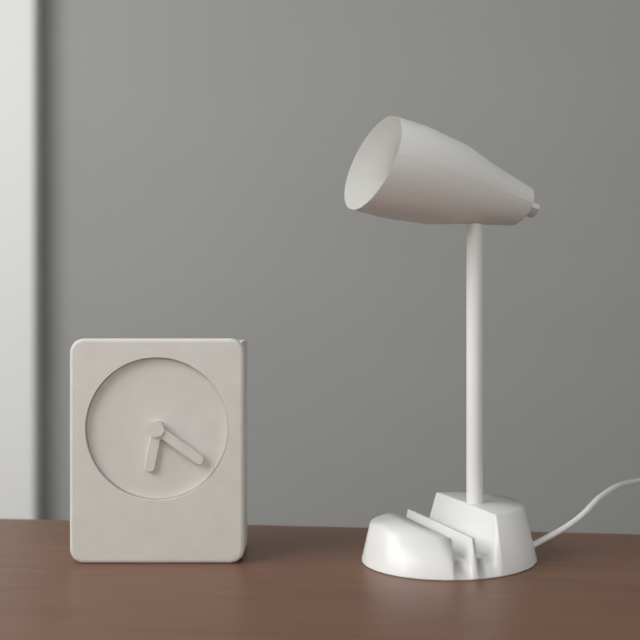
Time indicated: 6:21
